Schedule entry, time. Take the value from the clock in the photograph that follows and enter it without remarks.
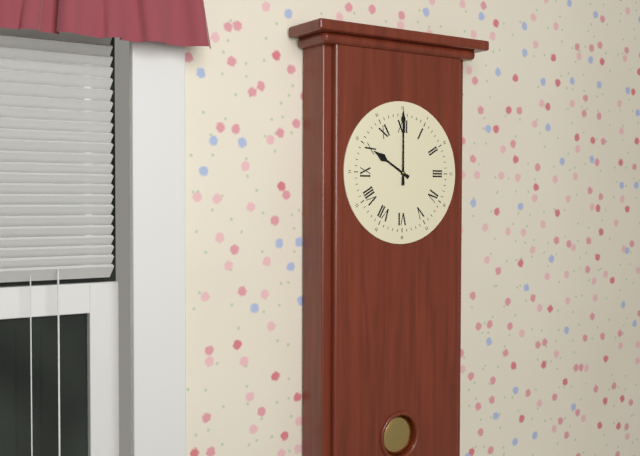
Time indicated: 10:00
